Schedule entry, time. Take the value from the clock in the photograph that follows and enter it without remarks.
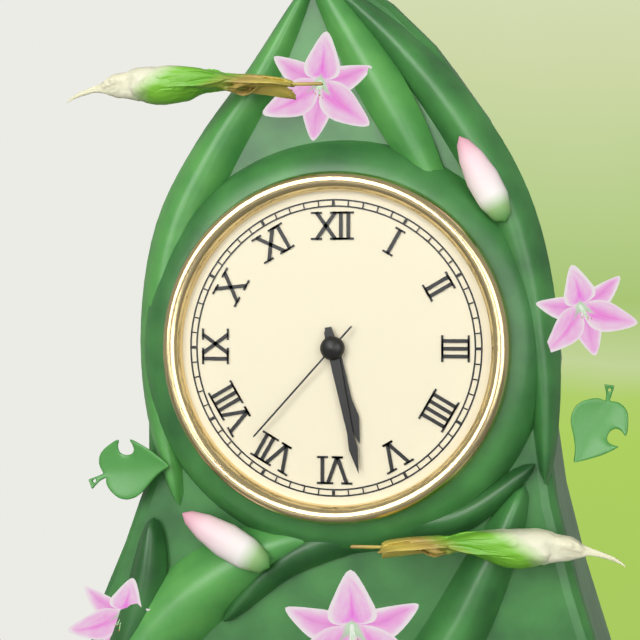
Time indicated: 5:28:37
